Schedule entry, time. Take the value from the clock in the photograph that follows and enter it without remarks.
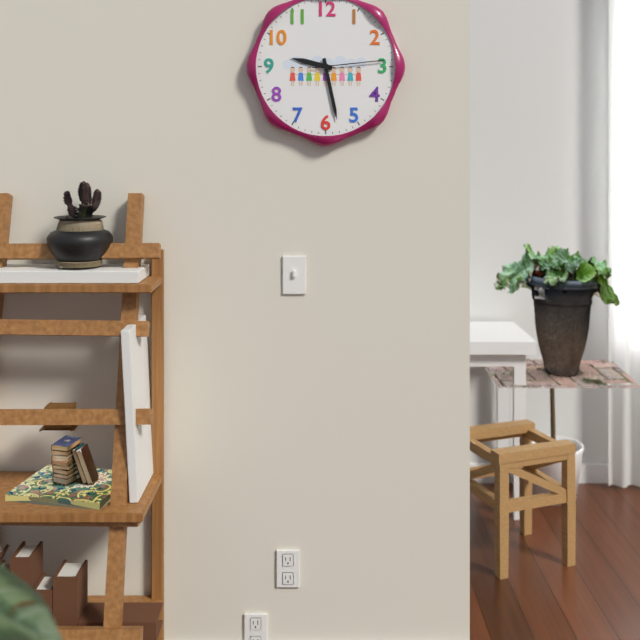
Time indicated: 9:28:14
